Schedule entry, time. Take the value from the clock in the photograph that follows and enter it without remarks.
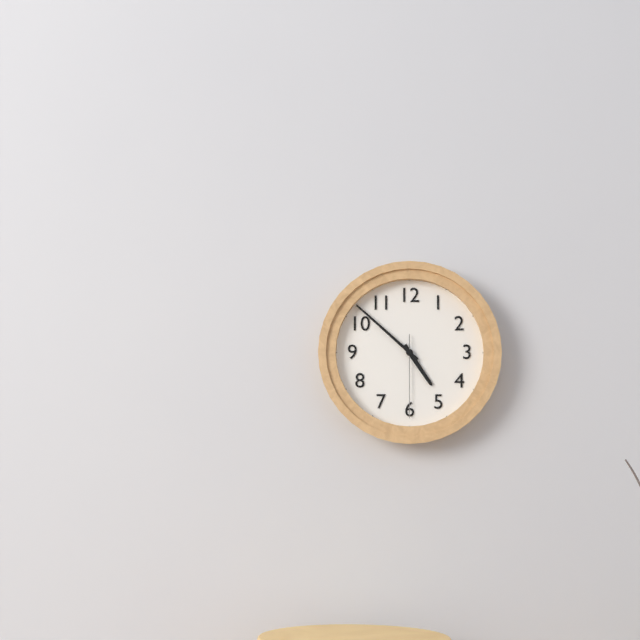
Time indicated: 4:52:30
